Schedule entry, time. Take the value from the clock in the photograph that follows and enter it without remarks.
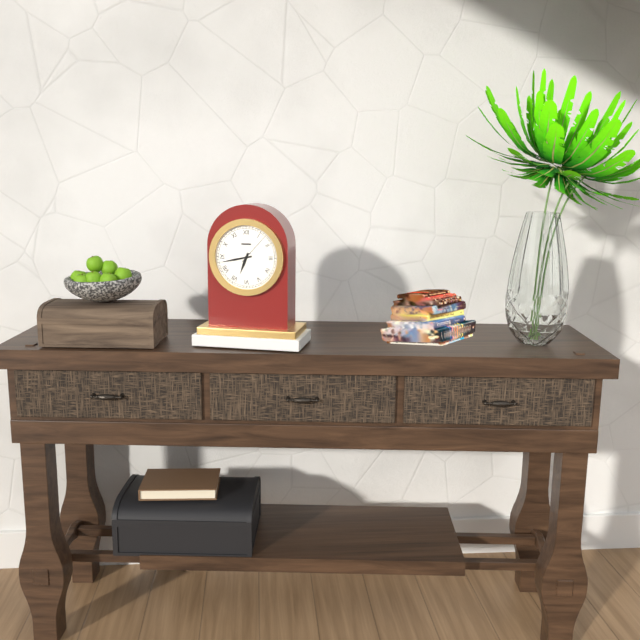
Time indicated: 6:43
